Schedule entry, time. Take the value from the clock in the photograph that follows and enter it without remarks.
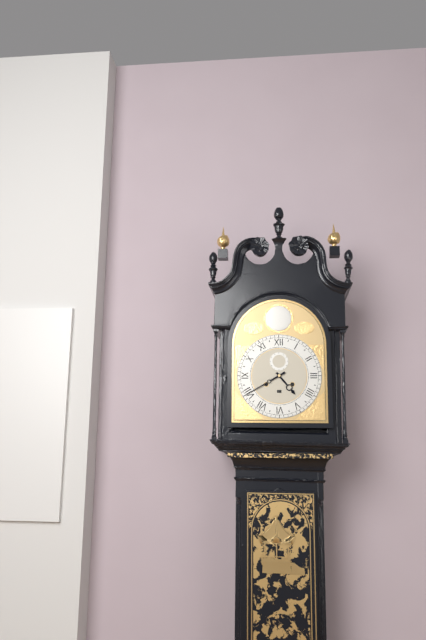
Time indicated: 4:40
